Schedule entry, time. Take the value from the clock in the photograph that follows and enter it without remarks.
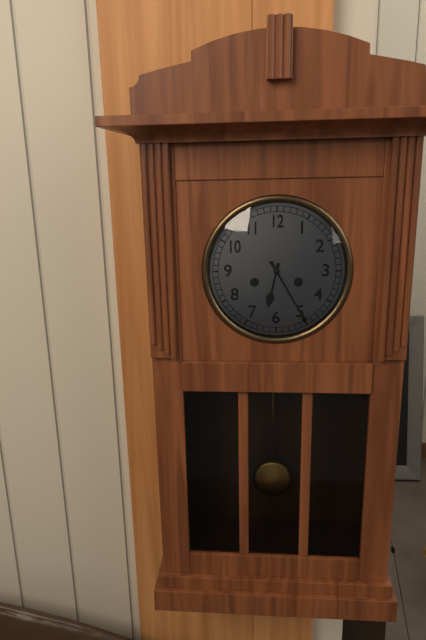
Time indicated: 6:25
